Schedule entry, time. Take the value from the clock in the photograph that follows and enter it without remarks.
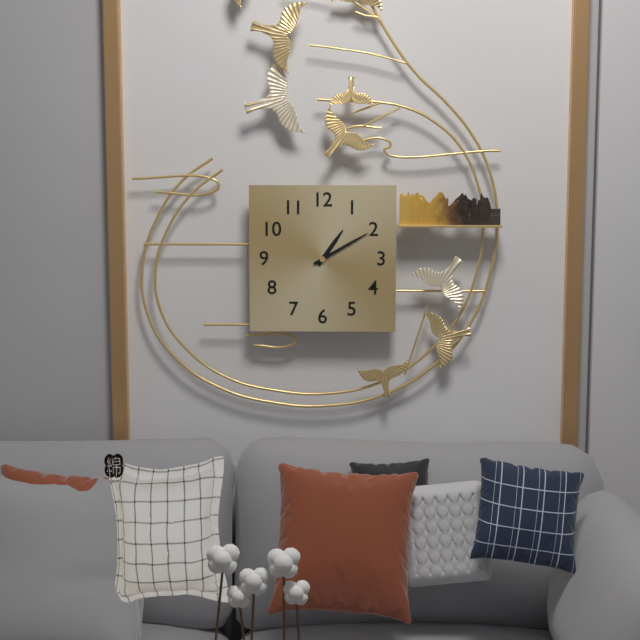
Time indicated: 1:10
